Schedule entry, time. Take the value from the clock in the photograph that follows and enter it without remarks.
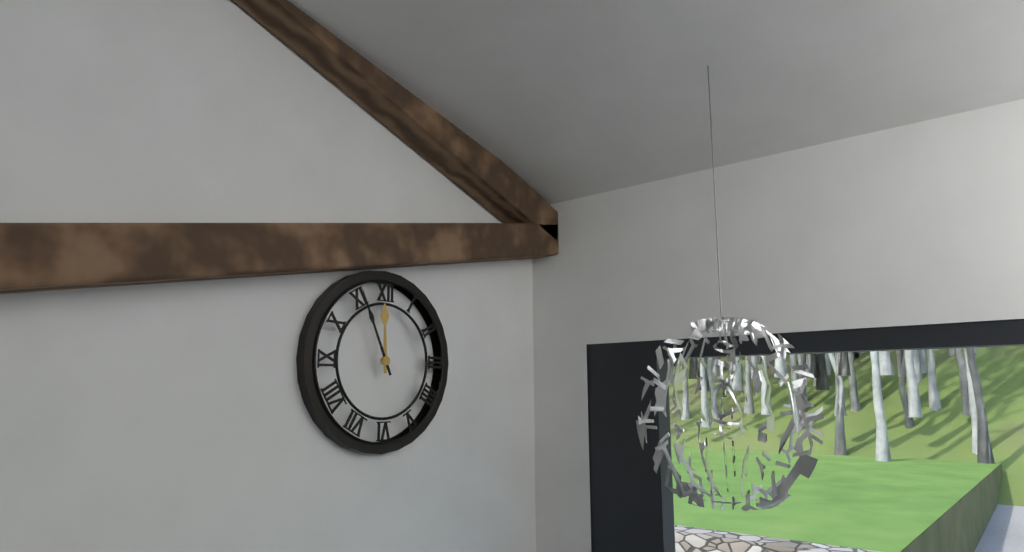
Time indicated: 11:56
